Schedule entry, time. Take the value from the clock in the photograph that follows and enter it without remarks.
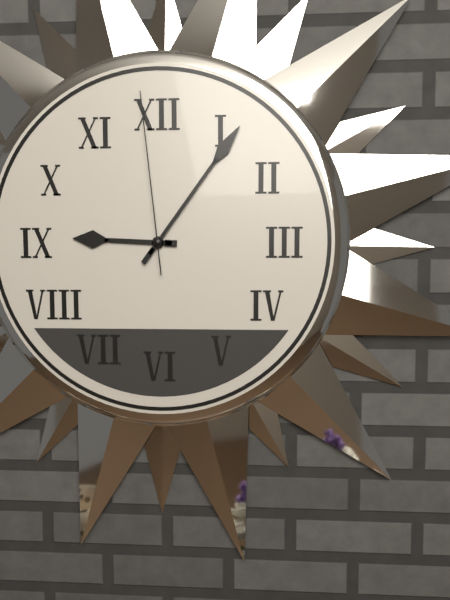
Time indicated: 9:06:59
